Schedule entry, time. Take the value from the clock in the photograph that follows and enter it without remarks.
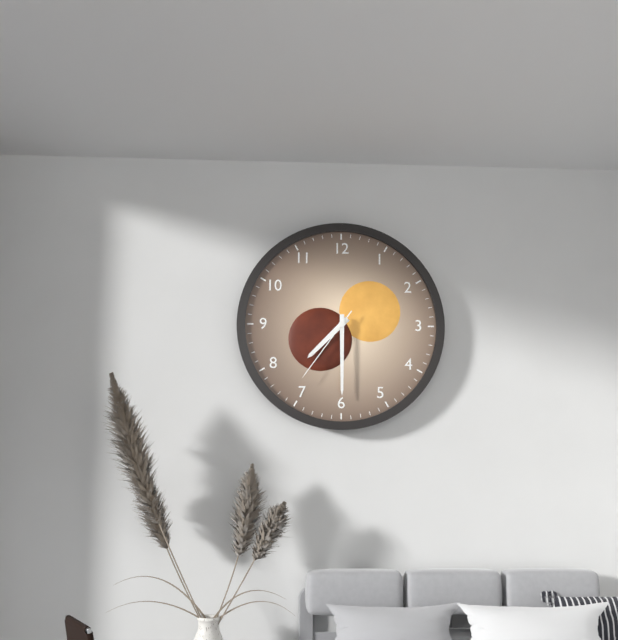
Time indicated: 7:30:36
